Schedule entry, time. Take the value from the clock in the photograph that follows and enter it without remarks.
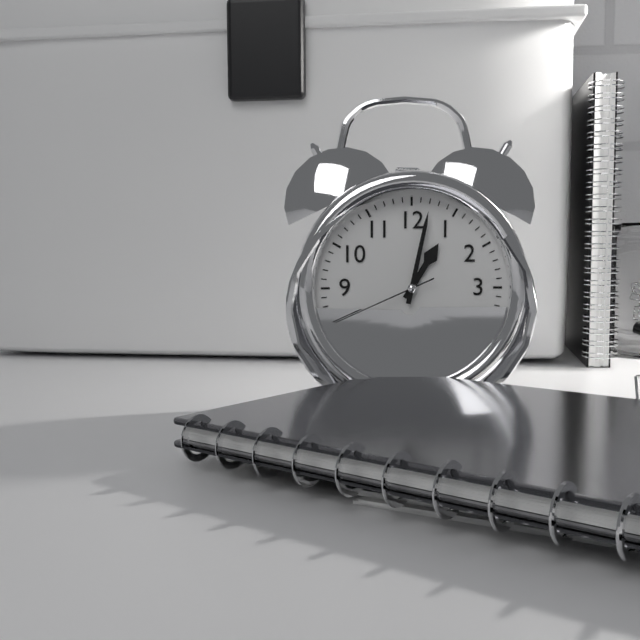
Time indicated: 1:02:41
